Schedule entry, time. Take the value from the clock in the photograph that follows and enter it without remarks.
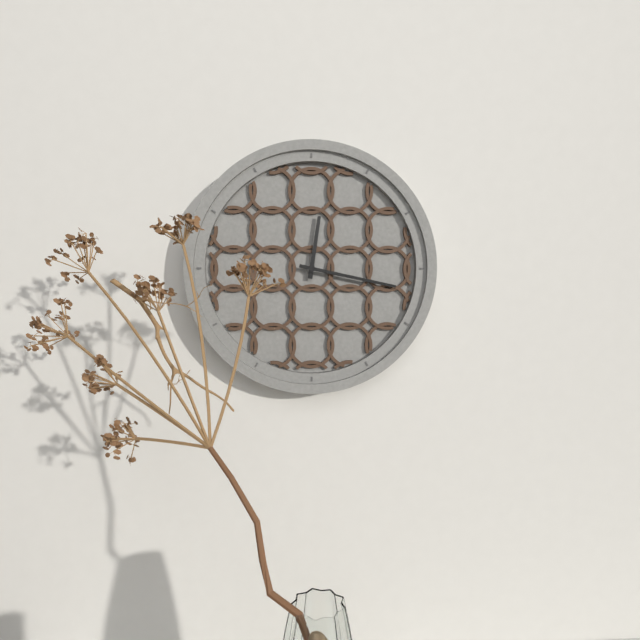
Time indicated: 12:17
